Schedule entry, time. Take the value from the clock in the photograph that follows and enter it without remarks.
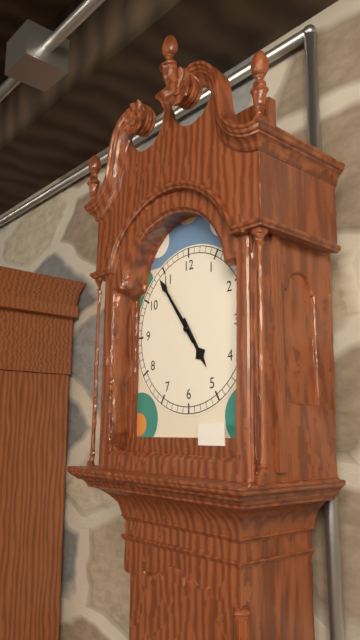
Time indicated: 4:54
